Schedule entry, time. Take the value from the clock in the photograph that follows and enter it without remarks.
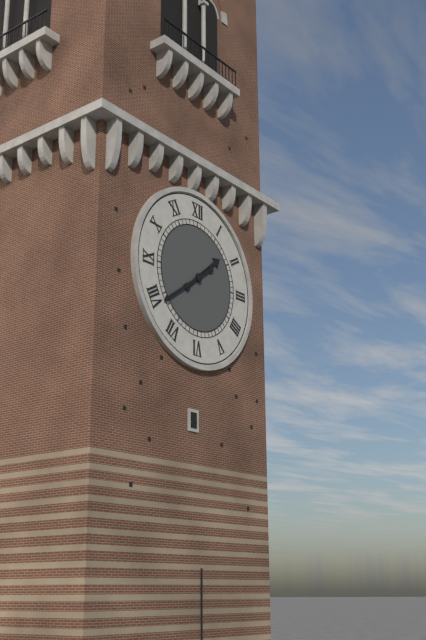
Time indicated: 1:39
